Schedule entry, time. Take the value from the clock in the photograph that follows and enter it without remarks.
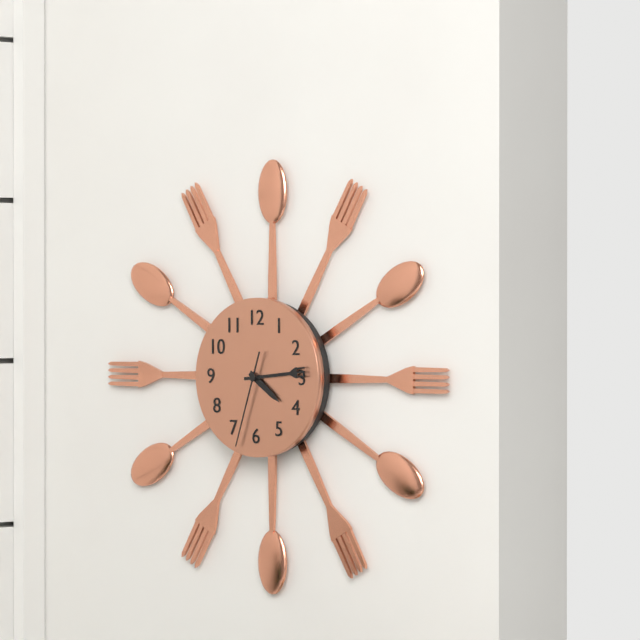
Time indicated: 4:14:33
